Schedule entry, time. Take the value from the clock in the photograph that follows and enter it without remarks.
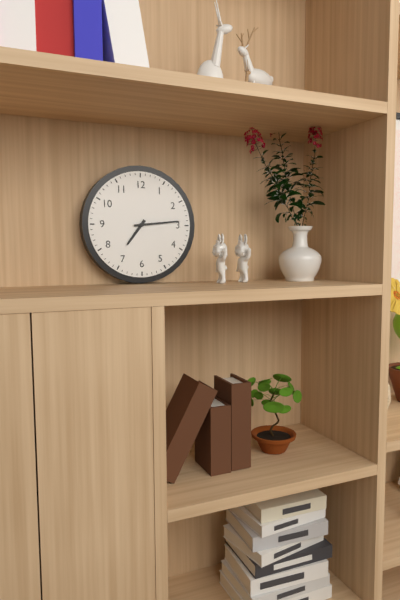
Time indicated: 7:14
